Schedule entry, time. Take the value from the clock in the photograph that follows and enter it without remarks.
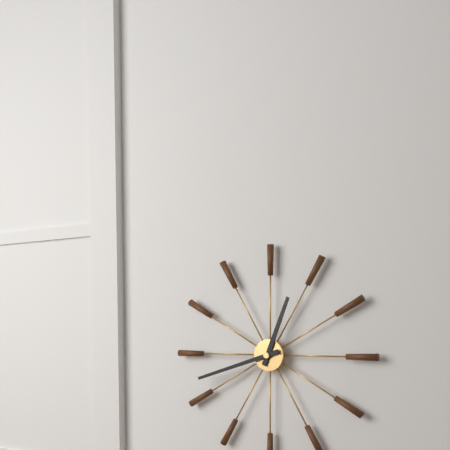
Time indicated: 12:42
